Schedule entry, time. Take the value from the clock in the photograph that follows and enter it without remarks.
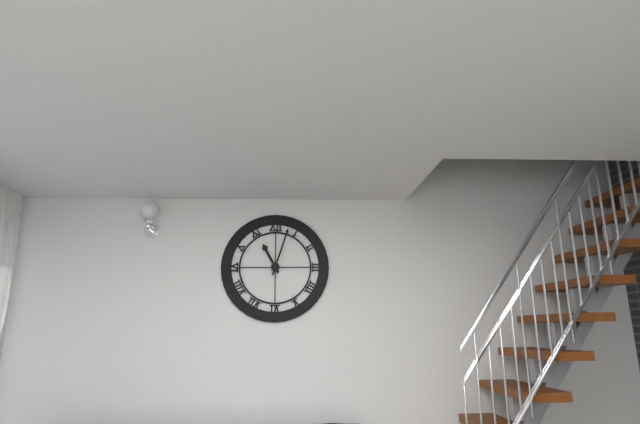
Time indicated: 11:03
